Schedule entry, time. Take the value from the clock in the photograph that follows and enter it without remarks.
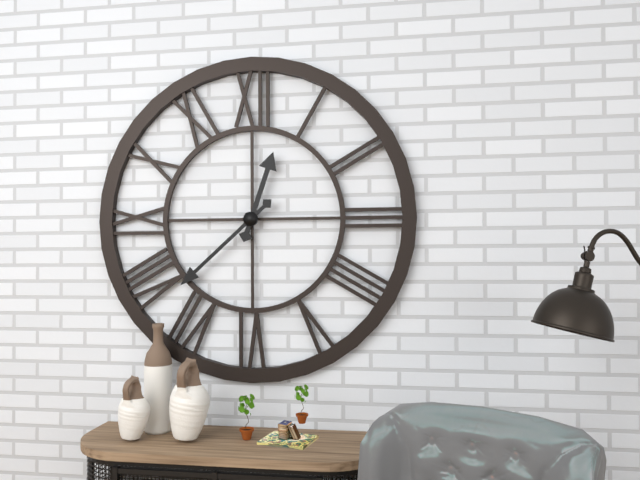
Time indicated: 12:38
